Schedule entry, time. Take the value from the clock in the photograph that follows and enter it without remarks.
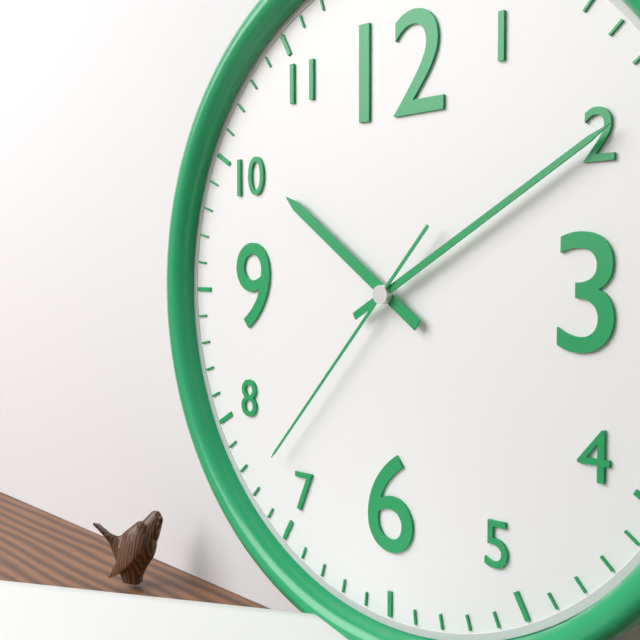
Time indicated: 10:10:37
